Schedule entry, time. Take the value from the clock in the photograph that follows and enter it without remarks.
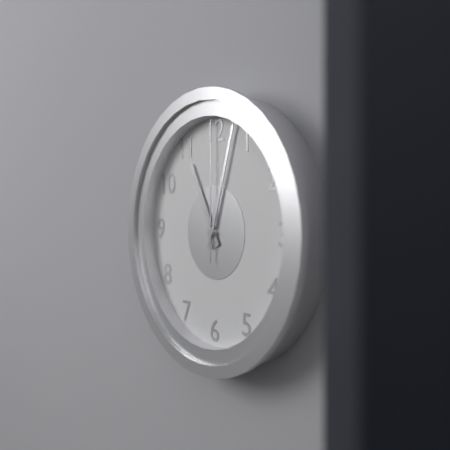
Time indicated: 11:03:00
